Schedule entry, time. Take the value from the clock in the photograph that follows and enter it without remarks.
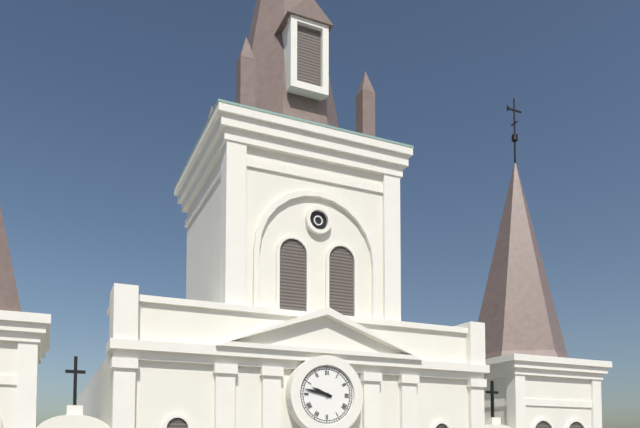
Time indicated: 9:47
